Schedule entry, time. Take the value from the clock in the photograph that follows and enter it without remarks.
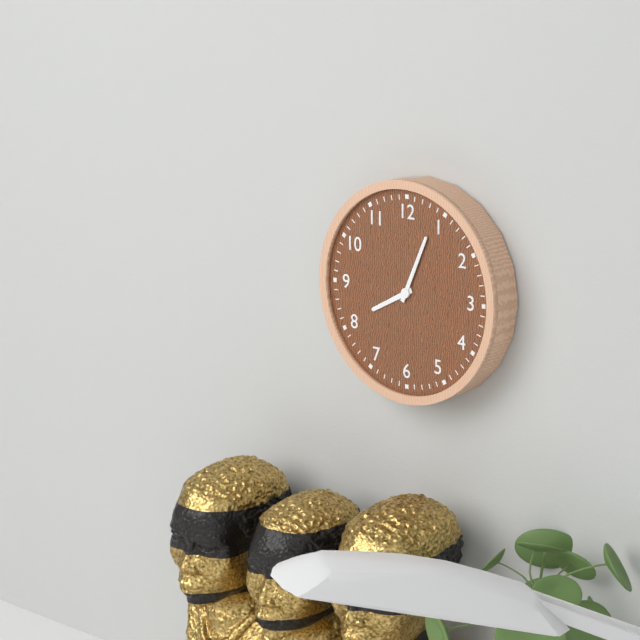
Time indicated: 8:04
